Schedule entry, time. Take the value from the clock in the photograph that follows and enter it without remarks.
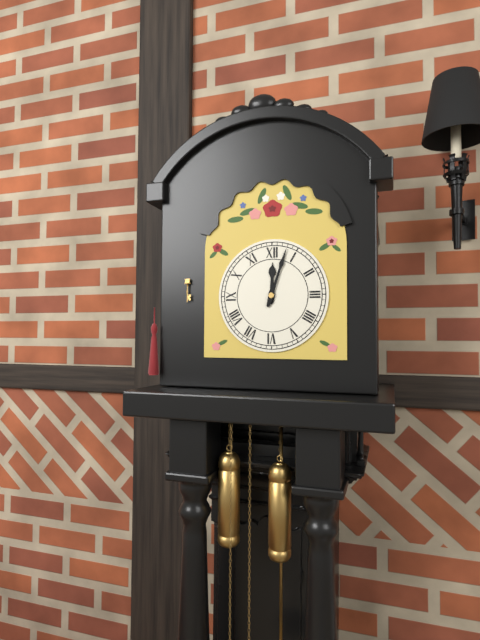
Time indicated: 12:03
